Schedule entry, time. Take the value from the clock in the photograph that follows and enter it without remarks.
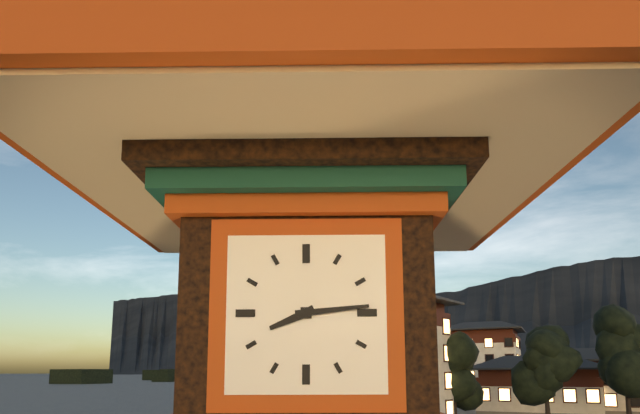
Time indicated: 8:14
